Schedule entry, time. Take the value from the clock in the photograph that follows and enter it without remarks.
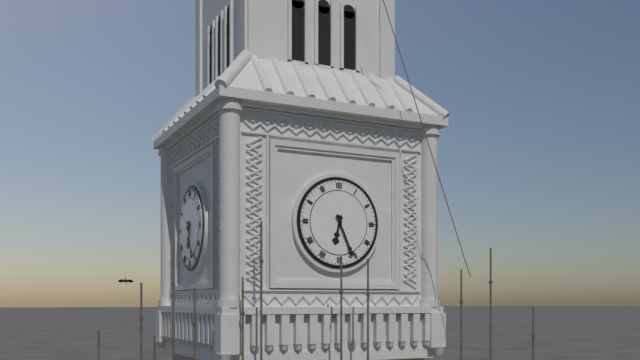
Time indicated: 6:26
